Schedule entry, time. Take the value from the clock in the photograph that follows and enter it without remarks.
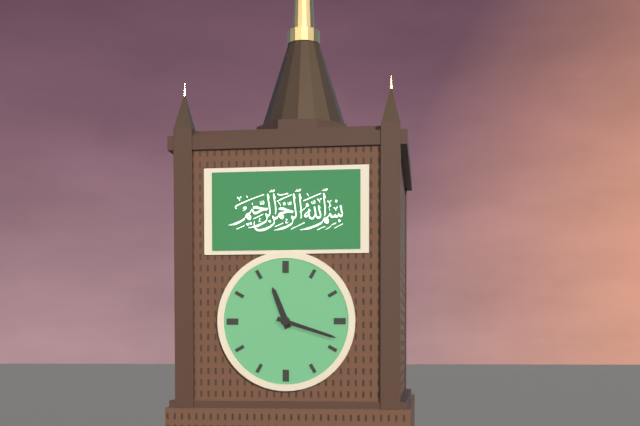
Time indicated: 11:18
